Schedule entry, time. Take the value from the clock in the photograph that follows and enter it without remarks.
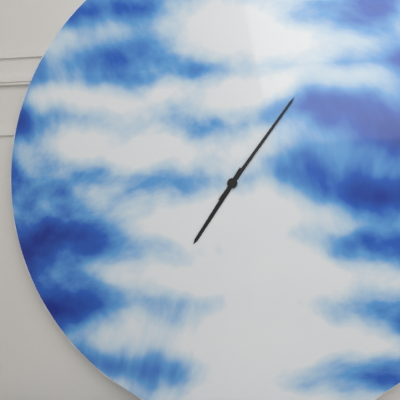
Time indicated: 7:06
